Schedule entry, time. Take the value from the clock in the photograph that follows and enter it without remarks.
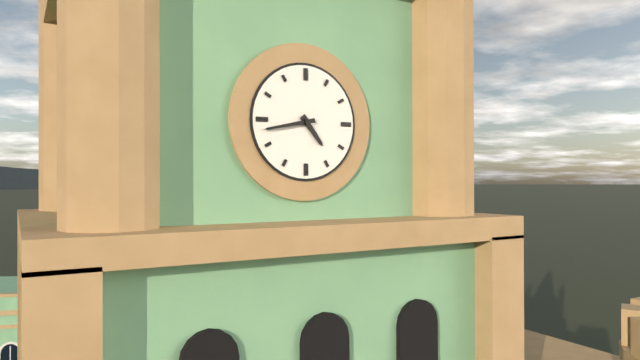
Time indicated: 4:43
